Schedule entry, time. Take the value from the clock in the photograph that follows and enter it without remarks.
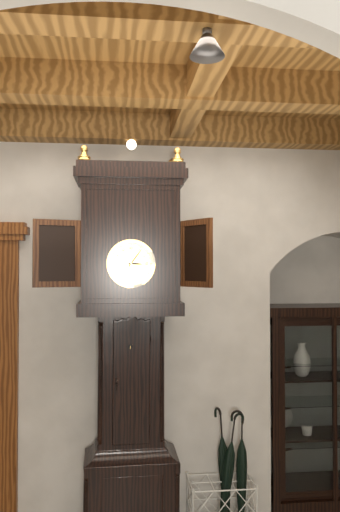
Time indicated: 3:06
